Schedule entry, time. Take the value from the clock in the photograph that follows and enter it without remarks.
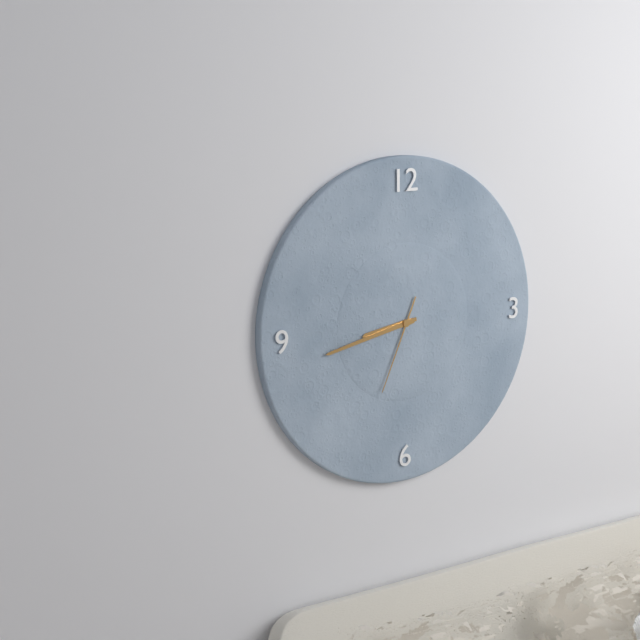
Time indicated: 8:43:34
